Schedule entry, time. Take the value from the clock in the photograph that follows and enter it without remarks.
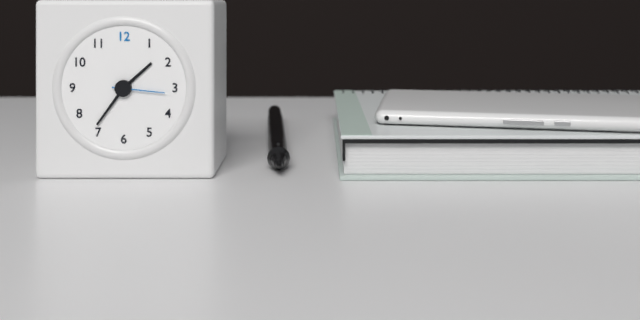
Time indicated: 1:36:16
